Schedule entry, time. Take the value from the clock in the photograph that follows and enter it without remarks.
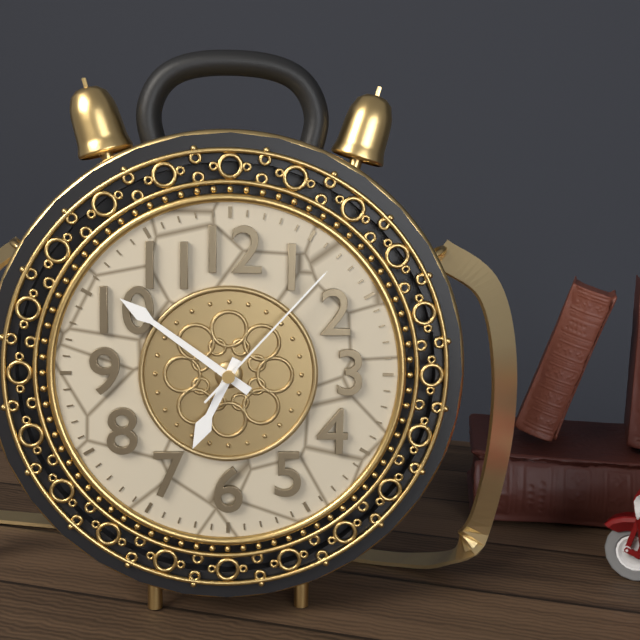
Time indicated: 6:51:07
